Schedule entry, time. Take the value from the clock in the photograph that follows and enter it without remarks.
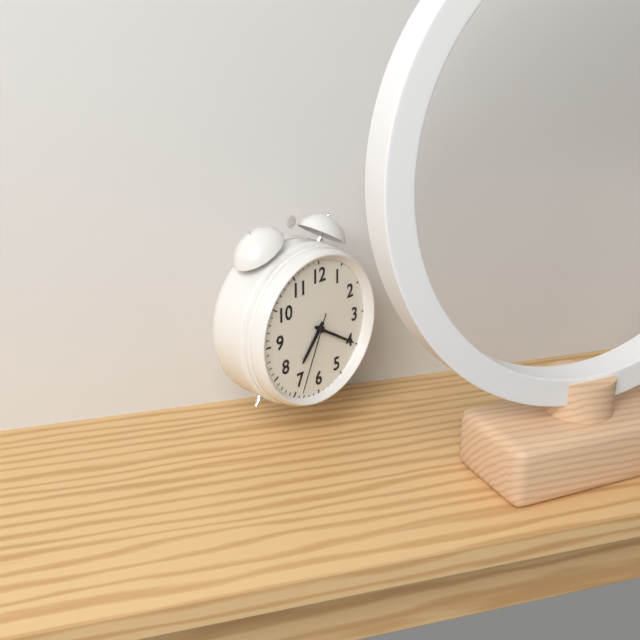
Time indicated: 7:20:34
